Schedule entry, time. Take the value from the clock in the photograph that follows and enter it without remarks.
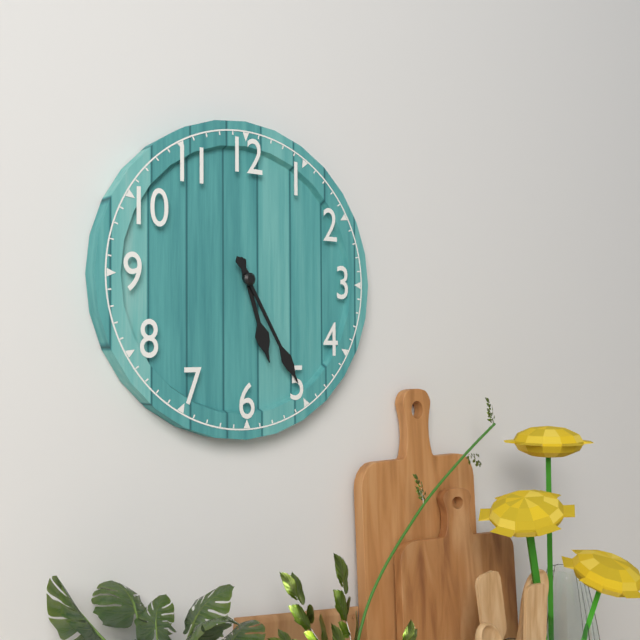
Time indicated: 5:25
